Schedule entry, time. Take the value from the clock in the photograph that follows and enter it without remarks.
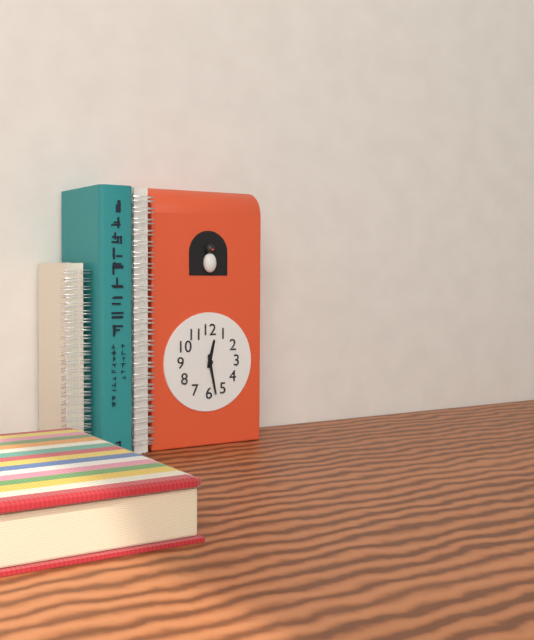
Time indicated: 12:28
